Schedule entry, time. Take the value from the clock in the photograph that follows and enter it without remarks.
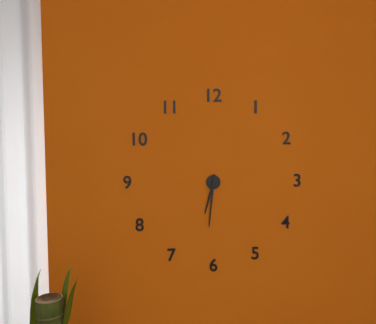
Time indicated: 6:31
